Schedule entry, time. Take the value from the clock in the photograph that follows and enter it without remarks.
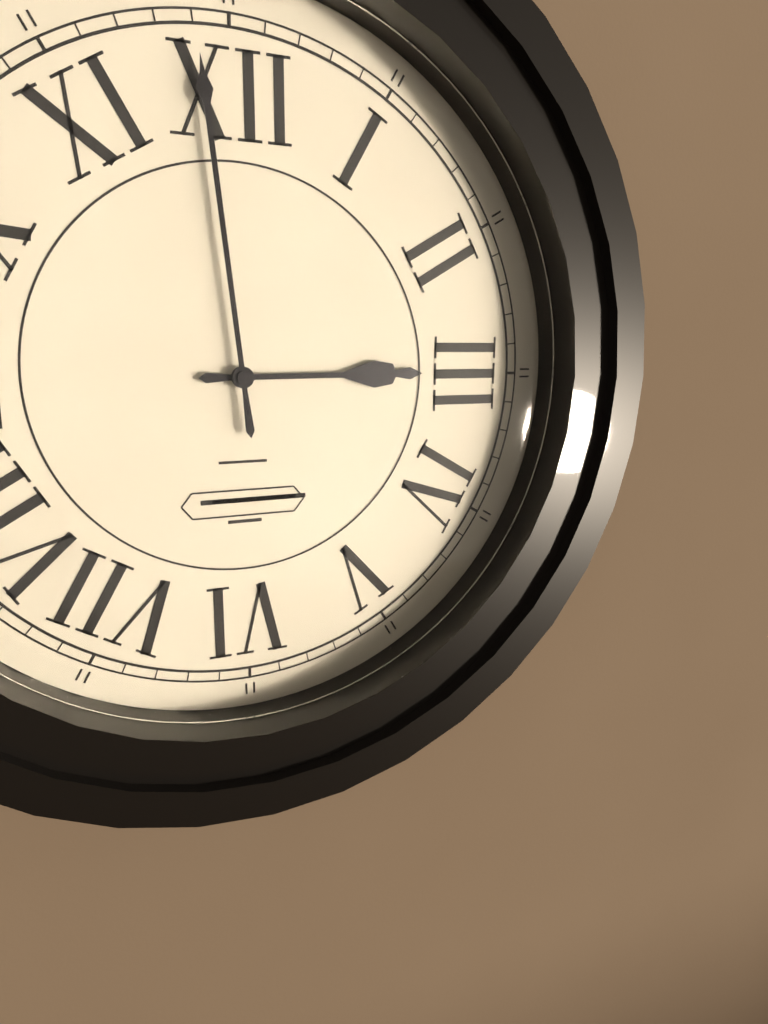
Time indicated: 2:59
